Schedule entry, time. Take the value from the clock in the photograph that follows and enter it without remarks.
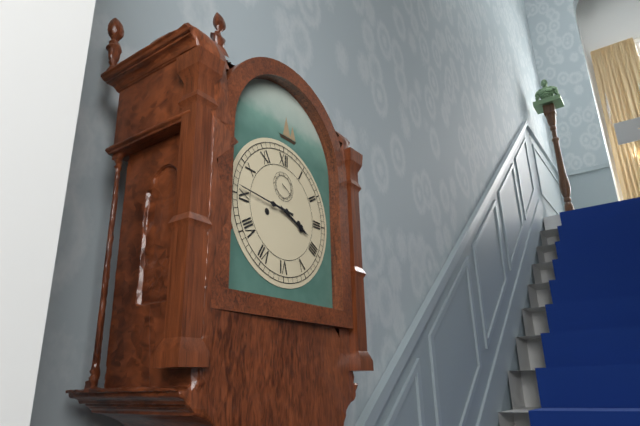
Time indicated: 3:46
